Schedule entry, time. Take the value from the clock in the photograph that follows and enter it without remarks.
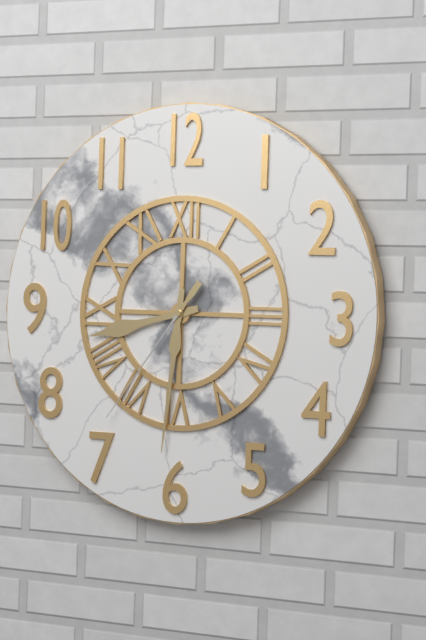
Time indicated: 8:31:36
